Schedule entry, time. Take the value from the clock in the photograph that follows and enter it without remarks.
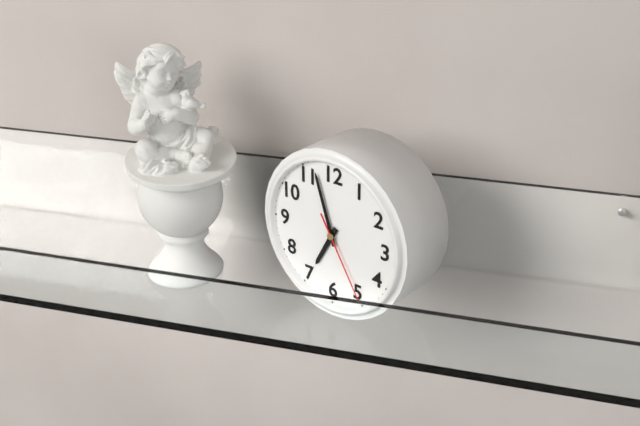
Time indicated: 6:57:25
